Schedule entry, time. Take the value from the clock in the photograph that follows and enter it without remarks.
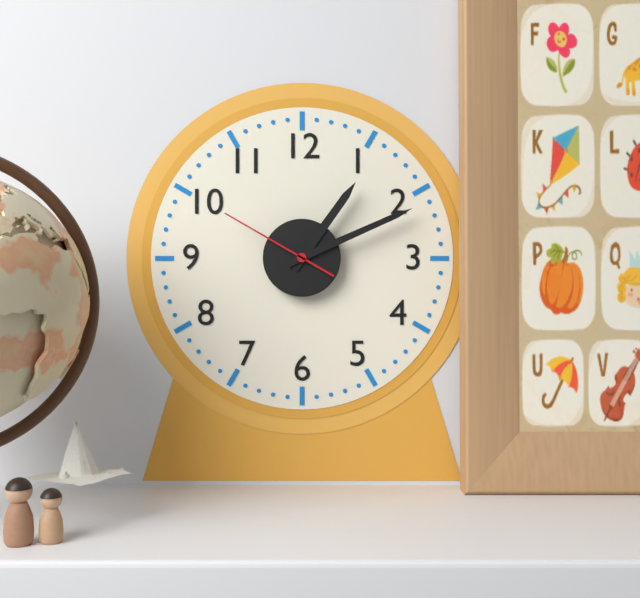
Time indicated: 1:11:50
